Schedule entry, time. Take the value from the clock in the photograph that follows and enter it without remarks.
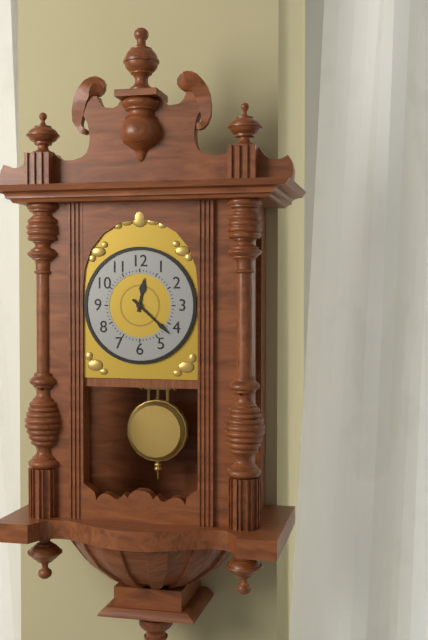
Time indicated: 12:22
